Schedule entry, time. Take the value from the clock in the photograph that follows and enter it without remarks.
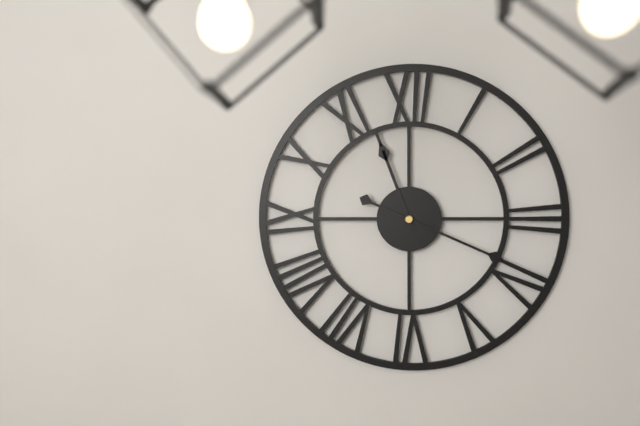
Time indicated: 11:19
